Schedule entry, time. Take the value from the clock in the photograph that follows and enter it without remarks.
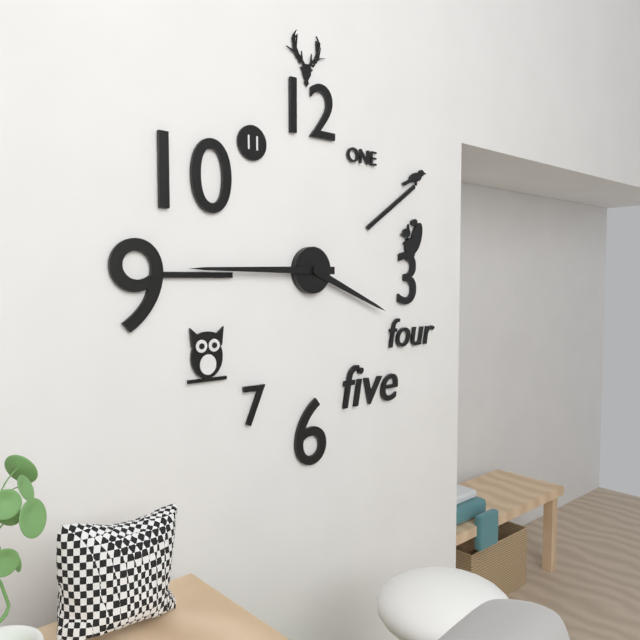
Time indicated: 3:45
